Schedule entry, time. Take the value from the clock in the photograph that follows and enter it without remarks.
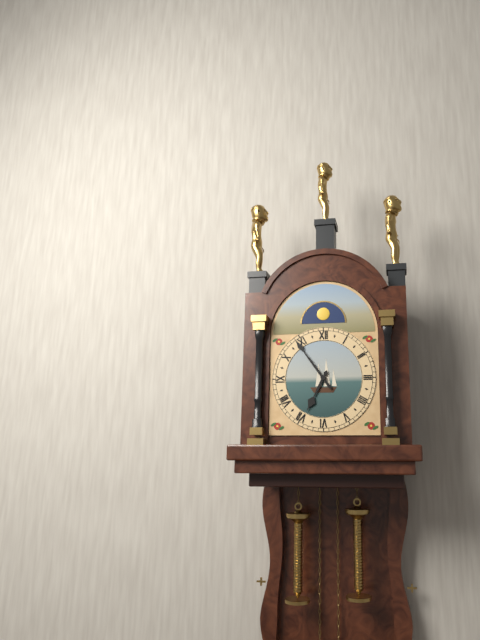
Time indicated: 6:54
